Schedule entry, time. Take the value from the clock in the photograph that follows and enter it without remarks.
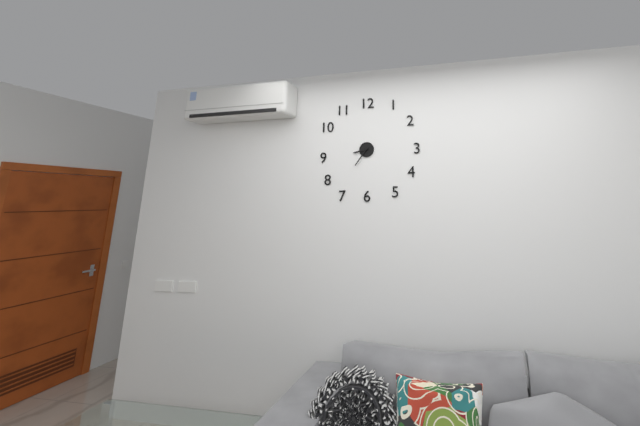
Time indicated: 8:36
